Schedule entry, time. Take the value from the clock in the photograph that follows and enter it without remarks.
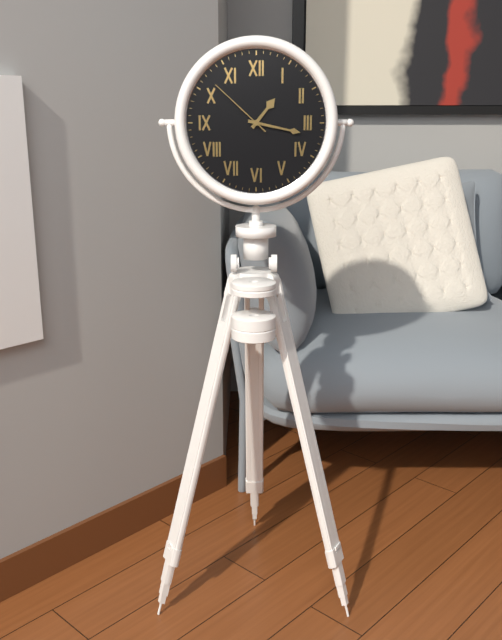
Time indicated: 1:17:52
